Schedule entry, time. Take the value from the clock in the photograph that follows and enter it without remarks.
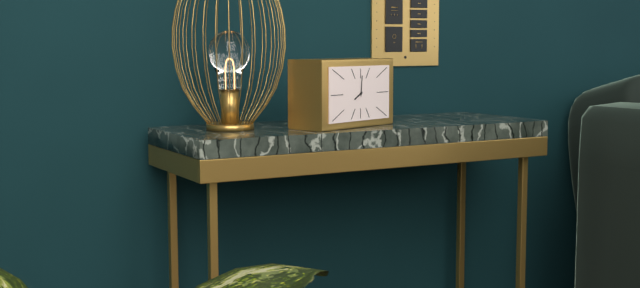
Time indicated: 8:01
